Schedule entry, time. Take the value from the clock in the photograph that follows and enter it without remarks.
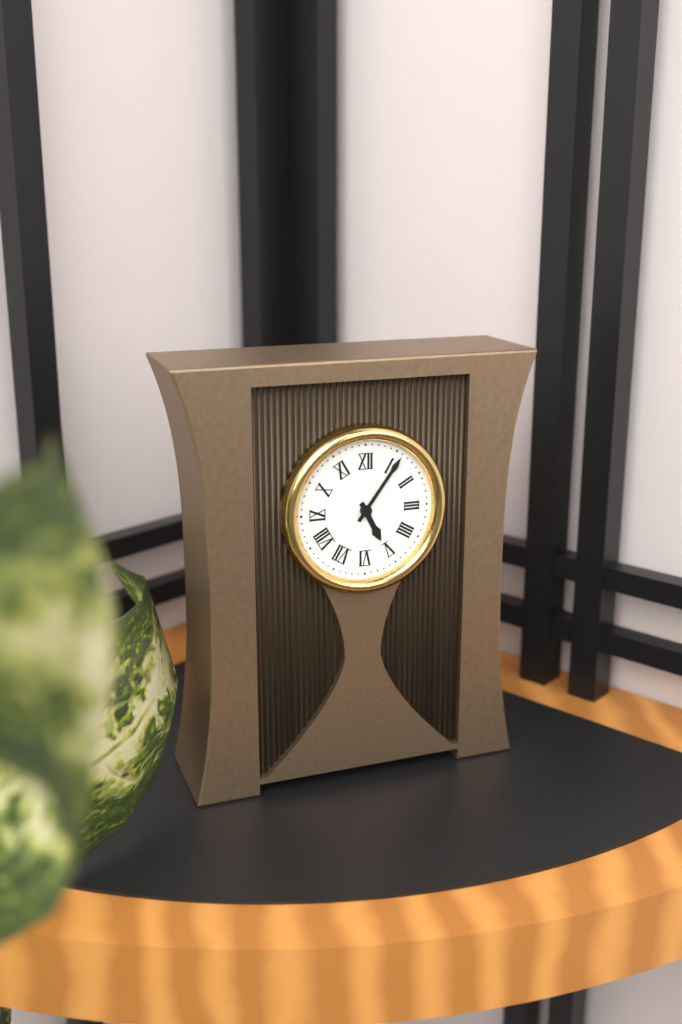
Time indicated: 5:06
